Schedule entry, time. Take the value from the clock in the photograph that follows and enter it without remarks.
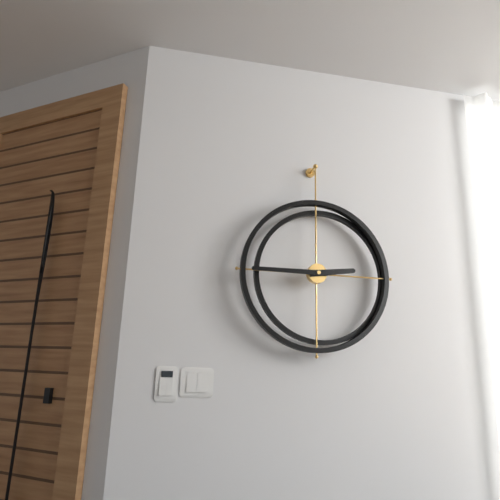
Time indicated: 2:45
